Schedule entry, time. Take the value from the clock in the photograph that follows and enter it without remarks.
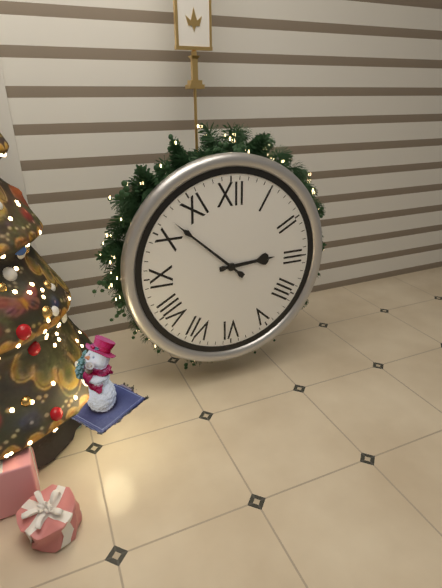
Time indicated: 2:52
